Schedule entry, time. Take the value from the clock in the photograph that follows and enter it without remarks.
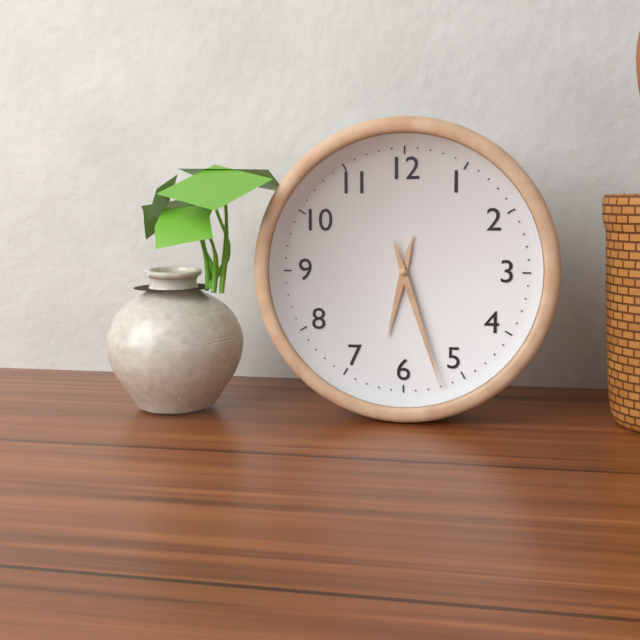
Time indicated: 6:27
